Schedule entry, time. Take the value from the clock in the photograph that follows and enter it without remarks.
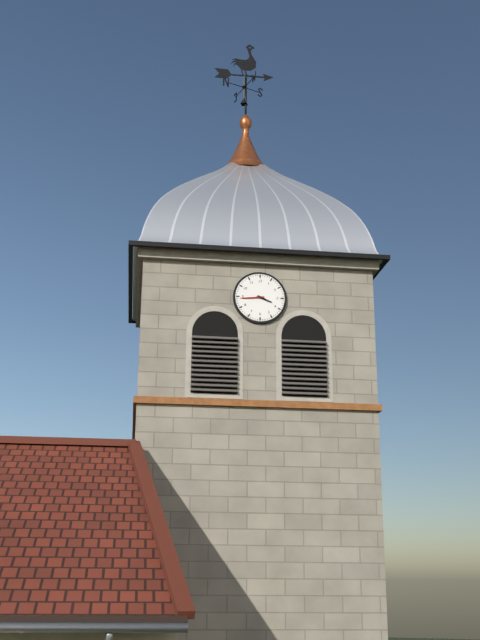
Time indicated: 3:44
